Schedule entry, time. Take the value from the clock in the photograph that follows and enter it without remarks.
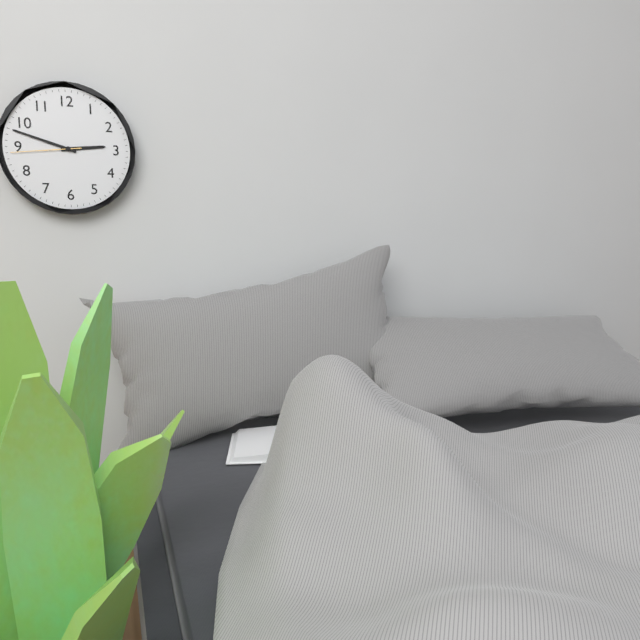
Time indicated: 2:48:44
